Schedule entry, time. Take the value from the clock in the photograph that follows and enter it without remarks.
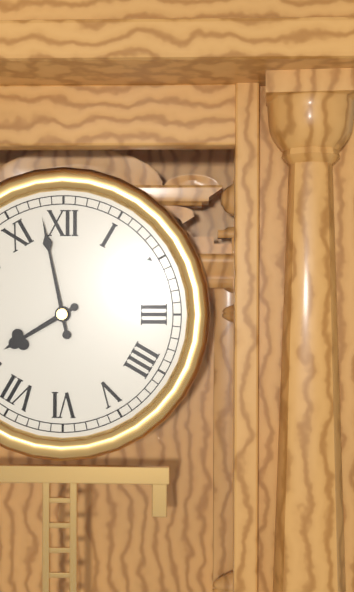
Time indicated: 7:58
